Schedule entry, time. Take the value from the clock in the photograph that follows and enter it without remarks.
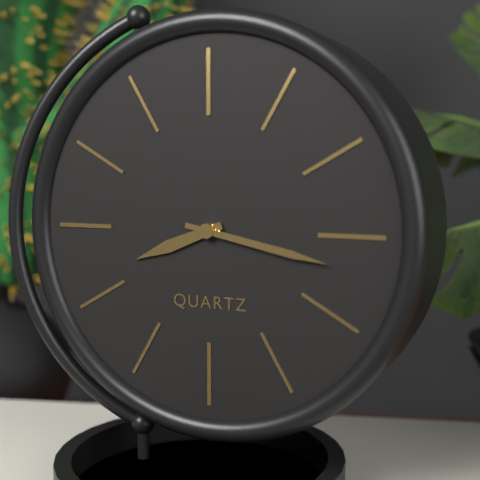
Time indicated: 8:17
